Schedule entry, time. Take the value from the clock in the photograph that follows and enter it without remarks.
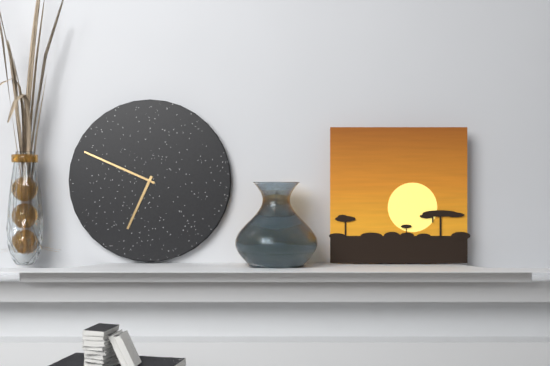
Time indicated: 6:49
